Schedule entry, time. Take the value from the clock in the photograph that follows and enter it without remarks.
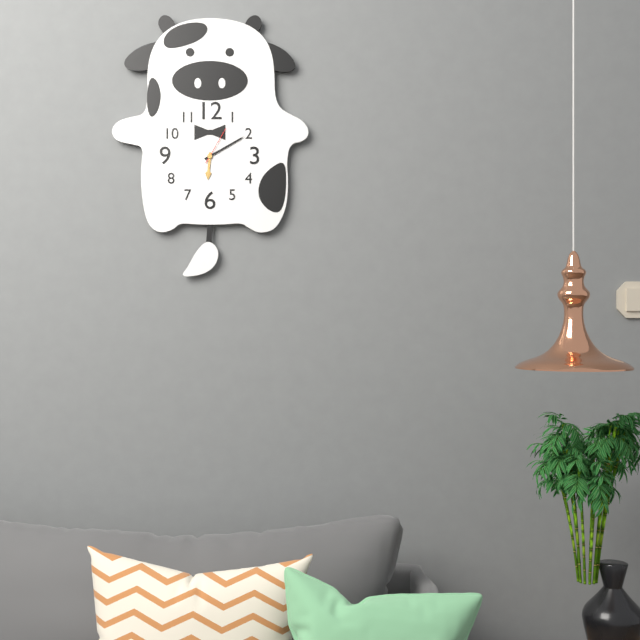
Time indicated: 6:10
